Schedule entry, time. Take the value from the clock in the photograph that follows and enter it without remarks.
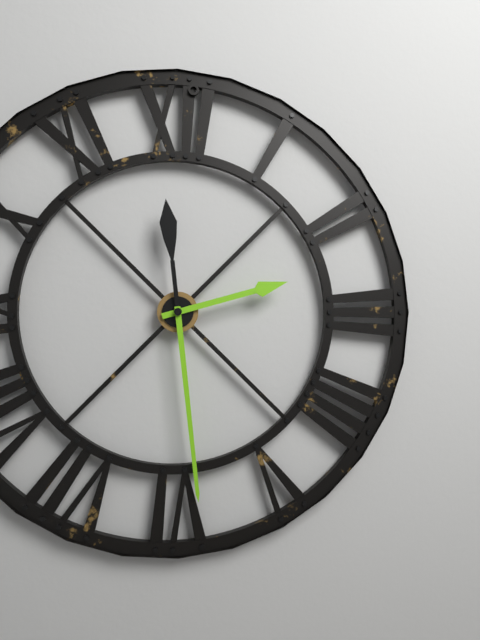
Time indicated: 2:29
